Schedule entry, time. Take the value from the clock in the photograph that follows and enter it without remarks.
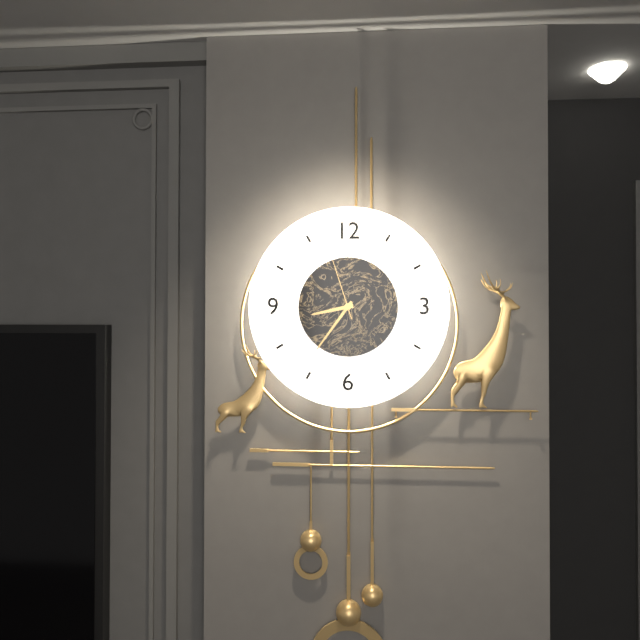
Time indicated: 8:36:57
